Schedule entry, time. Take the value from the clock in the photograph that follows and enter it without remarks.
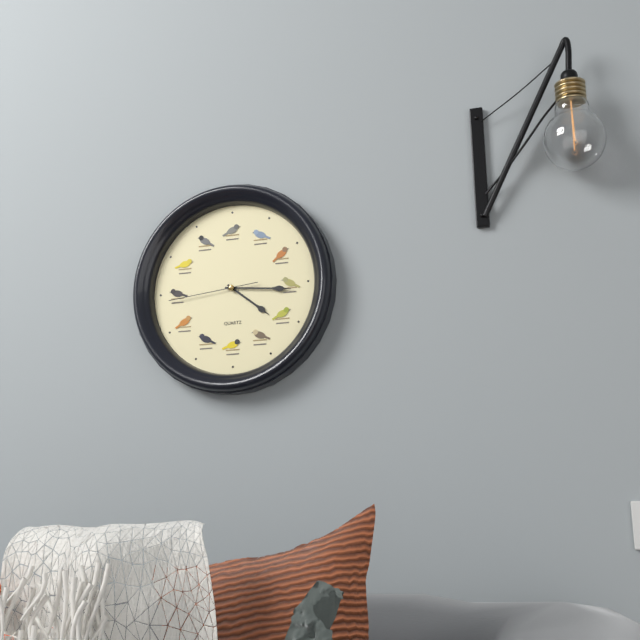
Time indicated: 4:16:44
